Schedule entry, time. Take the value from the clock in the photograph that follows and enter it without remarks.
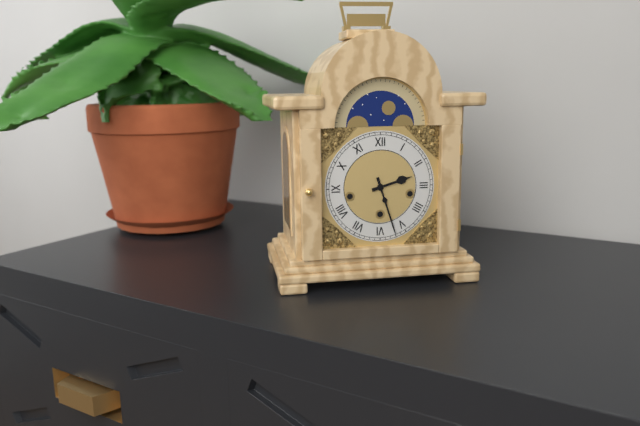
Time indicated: 2:27
